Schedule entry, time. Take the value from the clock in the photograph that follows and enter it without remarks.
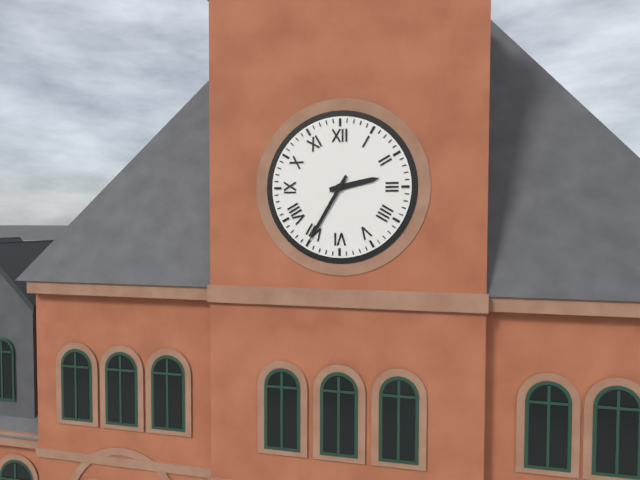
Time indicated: 2:35
